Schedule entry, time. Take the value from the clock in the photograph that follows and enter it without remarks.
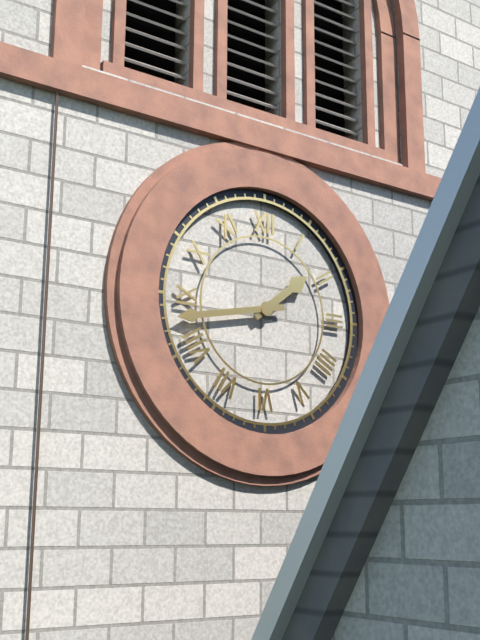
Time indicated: 1:43
